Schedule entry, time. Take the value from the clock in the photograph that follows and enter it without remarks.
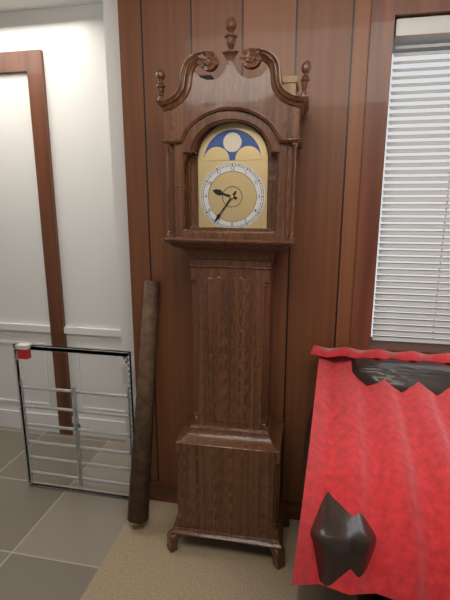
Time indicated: 9:36
